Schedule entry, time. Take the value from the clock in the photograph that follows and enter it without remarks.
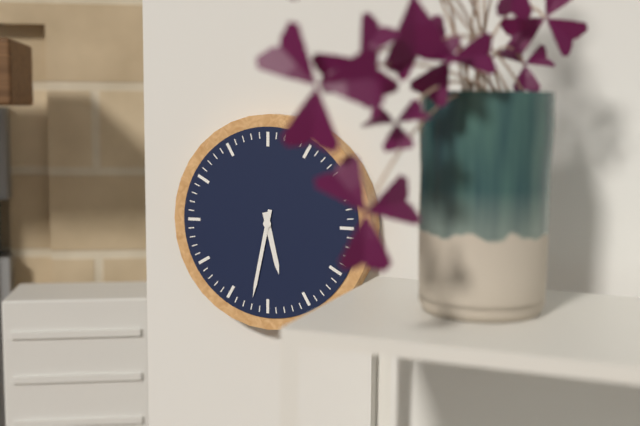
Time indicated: 5:32
